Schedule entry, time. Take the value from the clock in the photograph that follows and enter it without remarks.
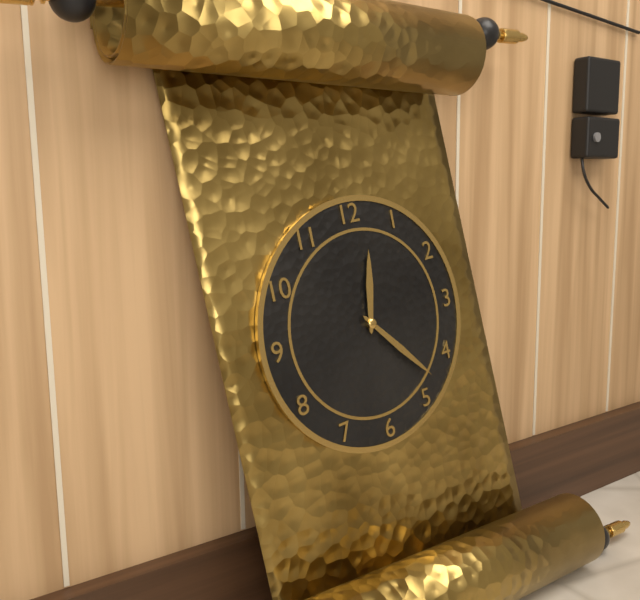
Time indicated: 12:23
